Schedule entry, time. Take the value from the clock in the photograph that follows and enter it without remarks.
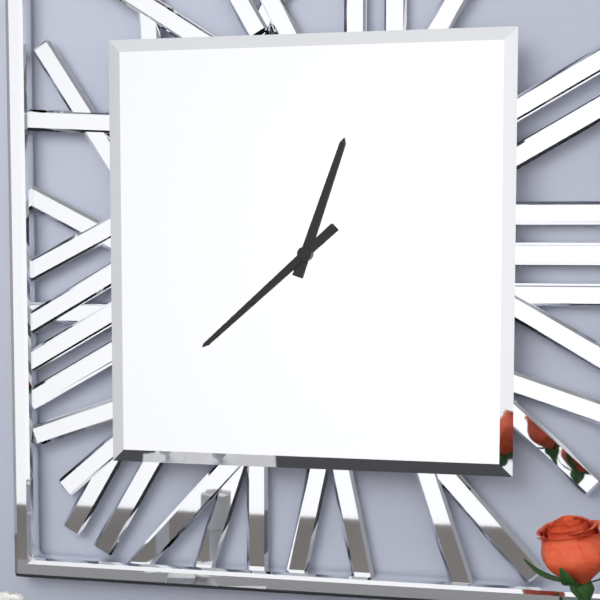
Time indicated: 12:38
